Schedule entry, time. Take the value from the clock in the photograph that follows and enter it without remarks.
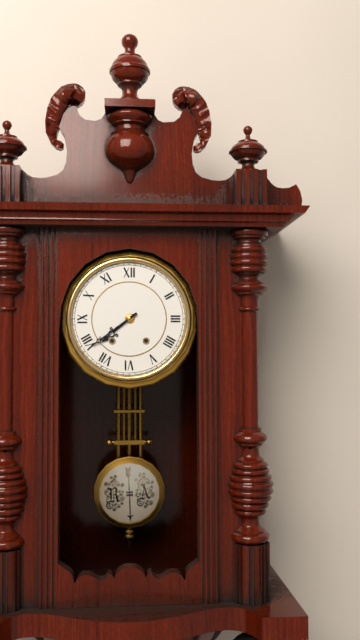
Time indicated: 7:39
